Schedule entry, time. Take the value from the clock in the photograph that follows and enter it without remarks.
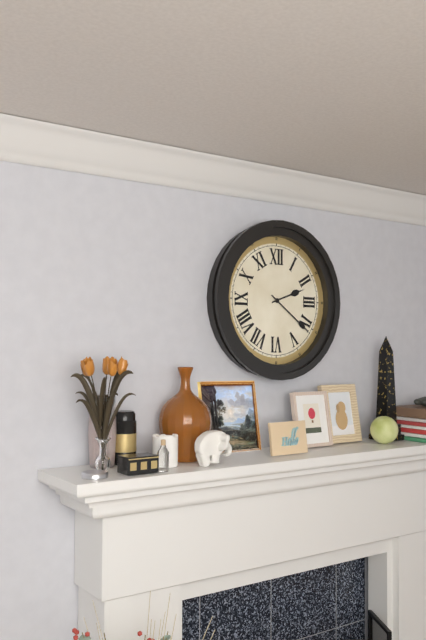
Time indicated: 2:21
